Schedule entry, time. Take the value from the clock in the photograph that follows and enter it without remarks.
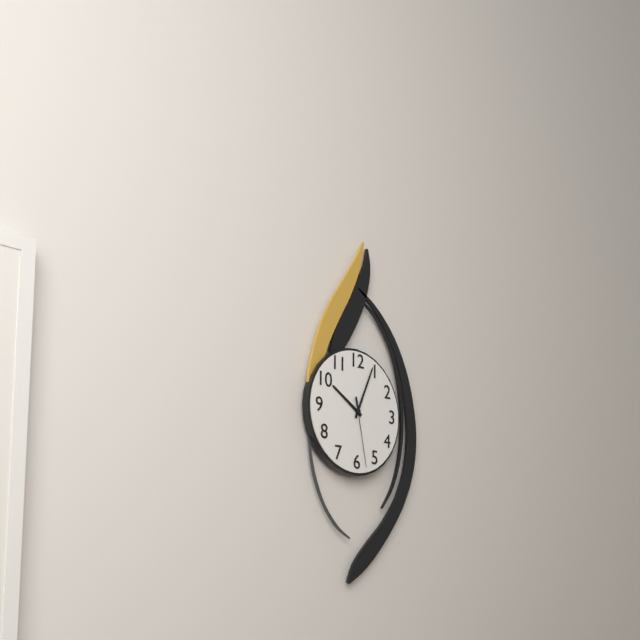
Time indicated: 10:04:28
